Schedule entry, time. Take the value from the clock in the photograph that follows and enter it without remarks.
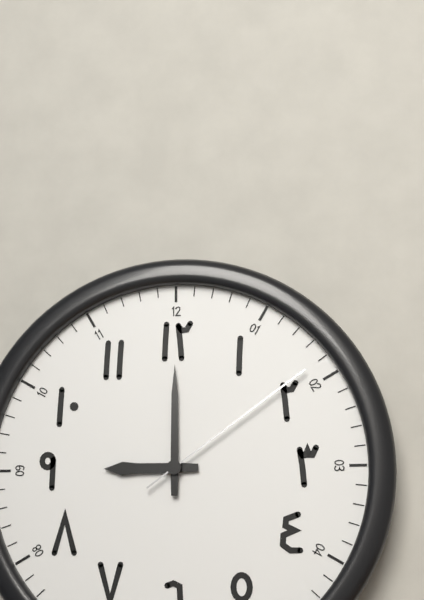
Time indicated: 9:00:09
